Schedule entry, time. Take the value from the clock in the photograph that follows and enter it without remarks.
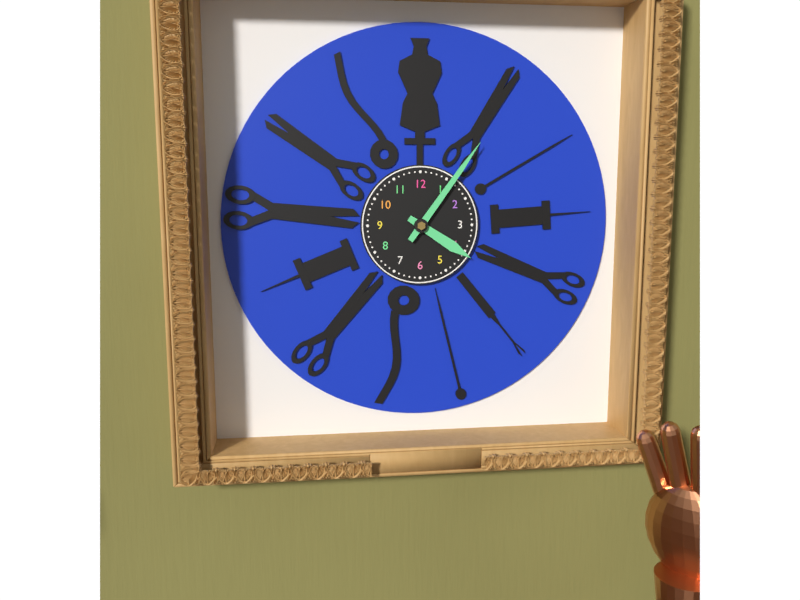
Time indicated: 4:06
